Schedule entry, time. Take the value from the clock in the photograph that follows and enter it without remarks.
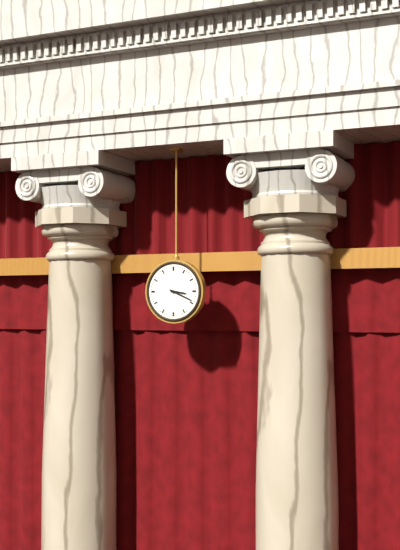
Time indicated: 3:19
